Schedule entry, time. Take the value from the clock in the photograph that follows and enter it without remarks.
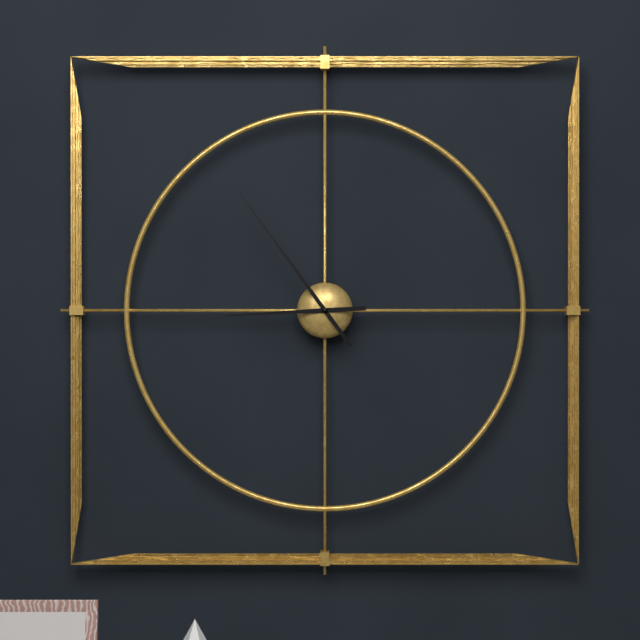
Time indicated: 8:54
